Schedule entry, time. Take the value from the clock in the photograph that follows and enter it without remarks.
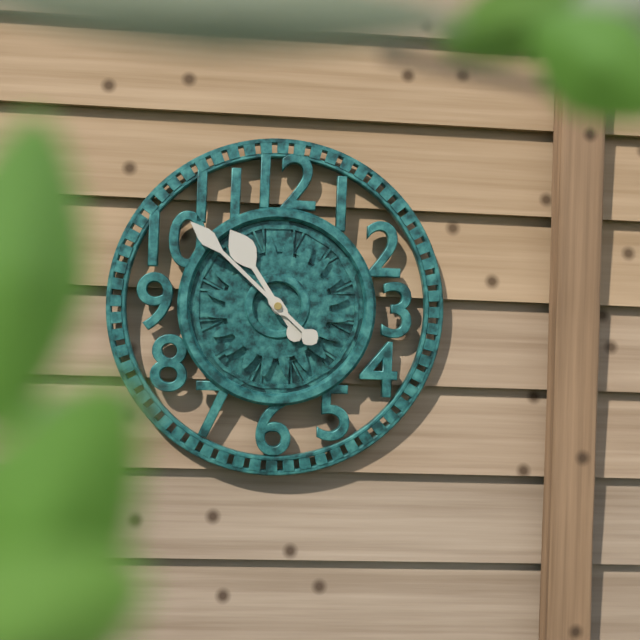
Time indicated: 10:52
